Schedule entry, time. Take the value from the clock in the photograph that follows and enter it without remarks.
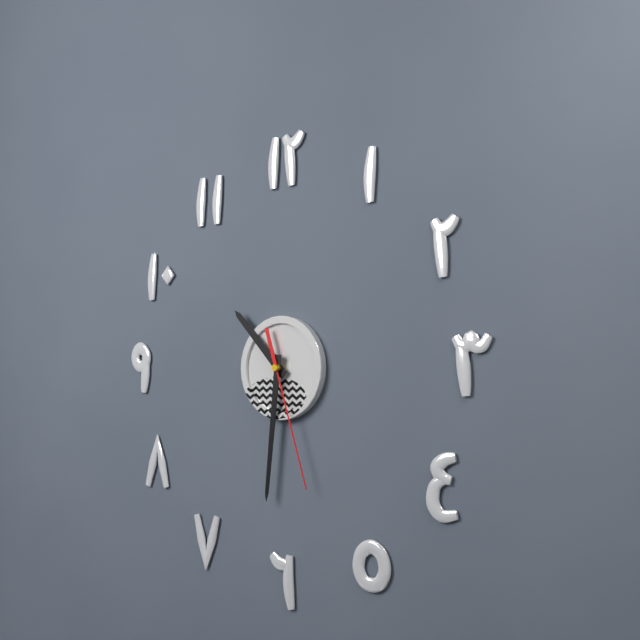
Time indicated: 10:31:27
